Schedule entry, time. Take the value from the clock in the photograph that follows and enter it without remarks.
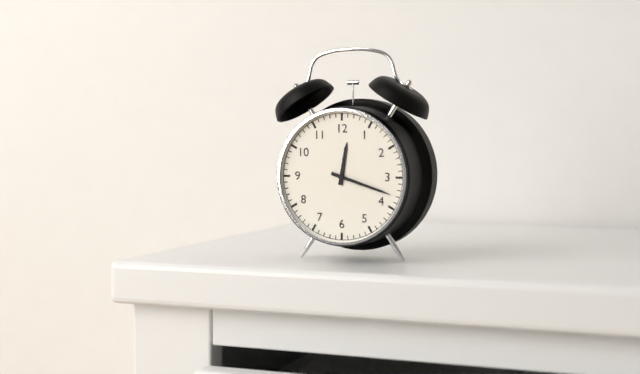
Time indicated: 12:18
